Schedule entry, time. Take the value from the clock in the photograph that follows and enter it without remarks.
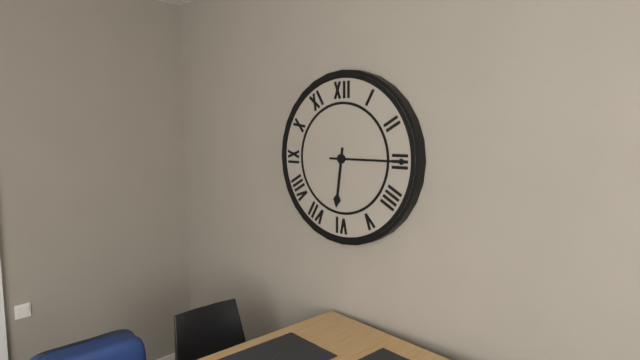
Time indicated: 6:15
